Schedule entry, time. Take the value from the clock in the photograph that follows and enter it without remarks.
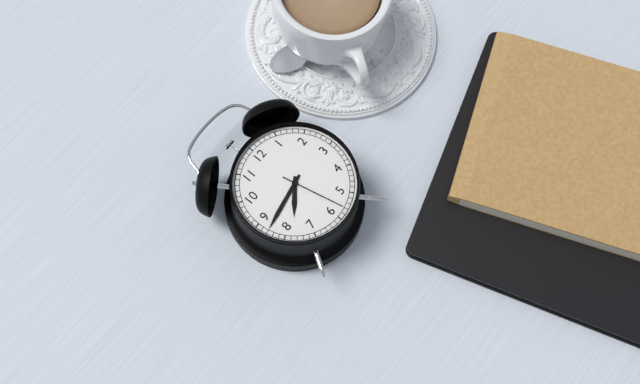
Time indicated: 7:43:28
